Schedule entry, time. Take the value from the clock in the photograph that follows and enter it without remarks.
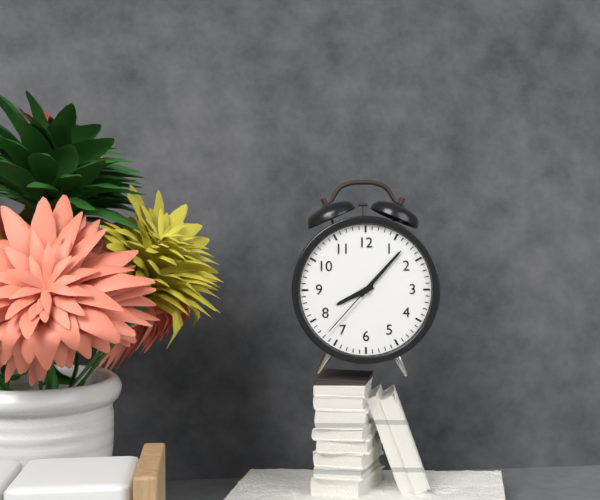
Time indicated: 8:07:37
